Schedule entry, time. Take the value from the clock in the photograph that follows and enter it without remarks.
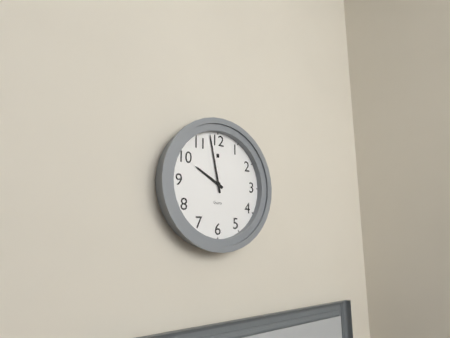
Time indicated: 9:58
